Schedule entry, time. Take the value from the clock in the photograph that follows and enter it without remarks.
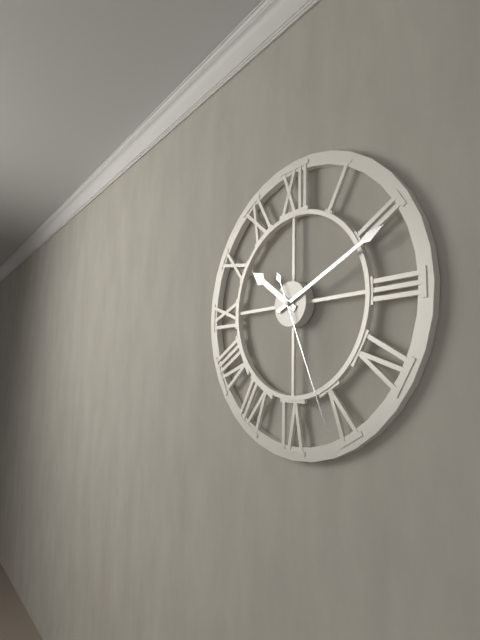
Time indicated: 10:11:26
